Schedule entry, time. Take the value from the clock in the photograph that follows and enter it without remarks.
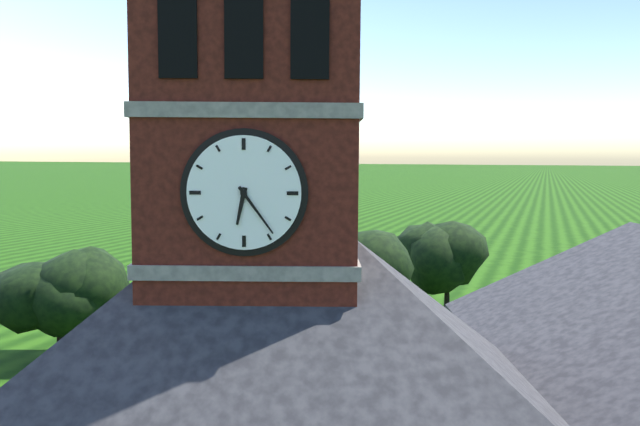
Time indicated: 6:24
